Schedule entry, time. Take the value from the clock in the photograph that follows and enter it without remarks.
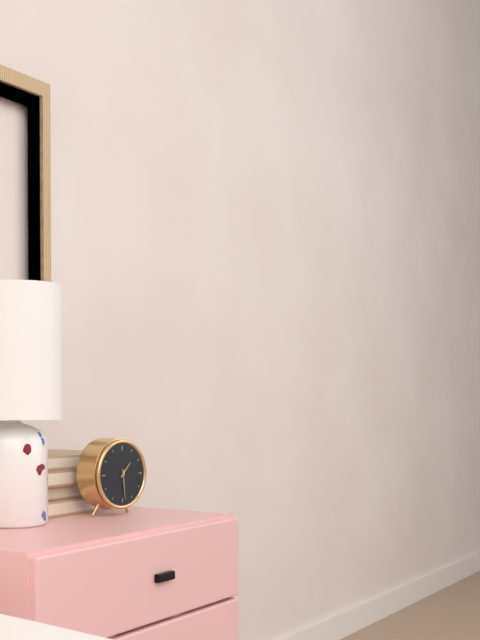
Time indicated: 1:29
